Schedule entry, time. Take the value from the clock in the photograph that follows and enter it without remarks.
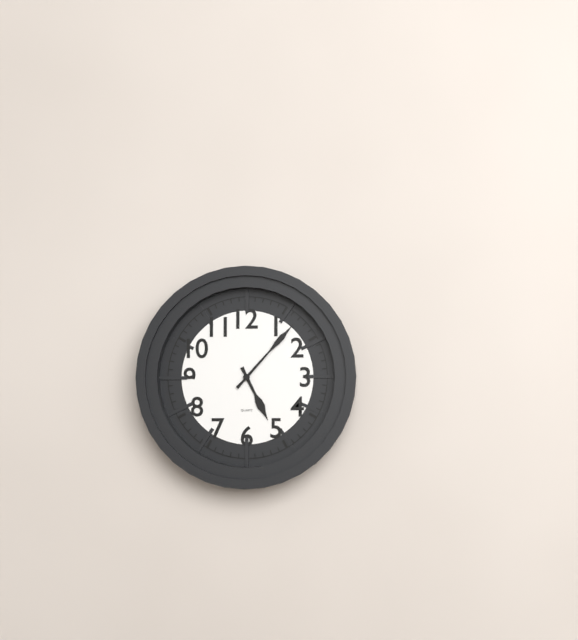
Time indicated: 5:07
